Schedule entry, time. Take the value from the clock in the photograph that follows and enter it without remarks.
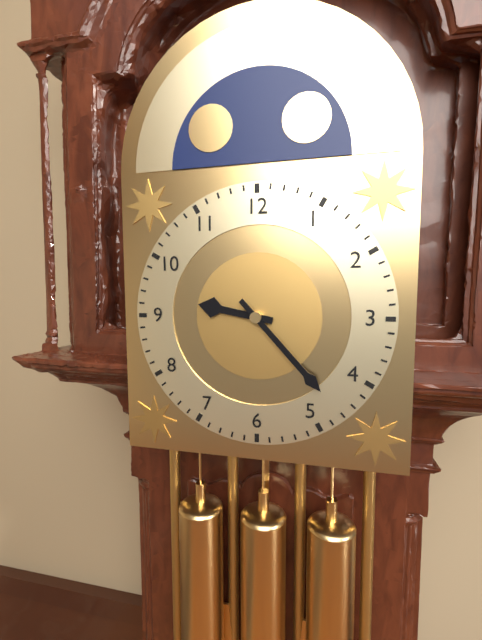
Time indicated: 9:23
